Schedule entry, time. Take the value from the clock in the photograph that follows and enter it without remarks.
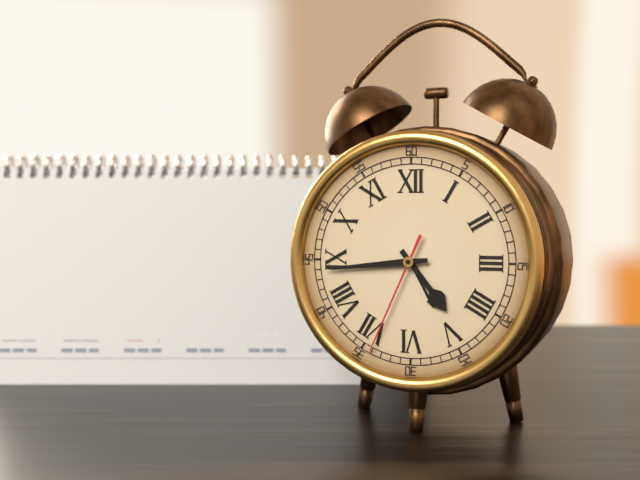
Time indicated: 4:44:34
